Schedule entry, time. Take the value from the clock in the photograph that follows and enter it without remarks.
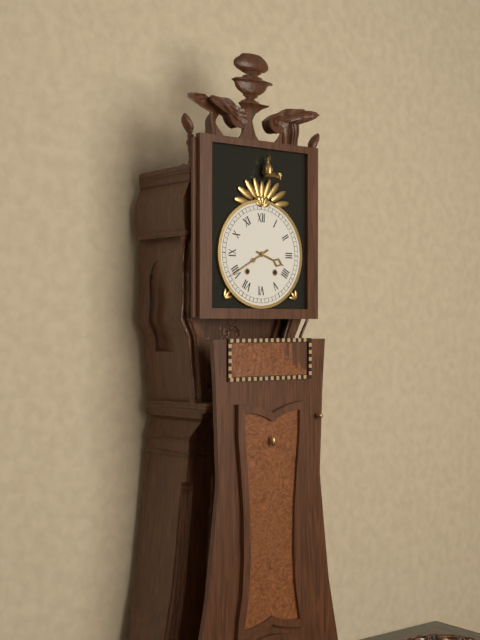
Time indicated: 3:40
